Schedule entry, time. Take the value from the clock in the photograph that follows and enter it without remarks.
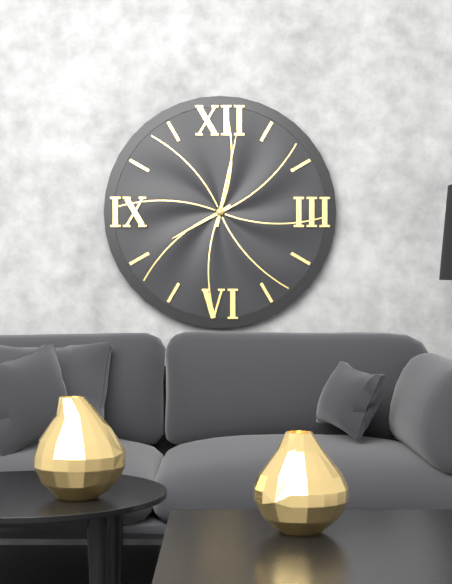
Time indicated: 8:02
